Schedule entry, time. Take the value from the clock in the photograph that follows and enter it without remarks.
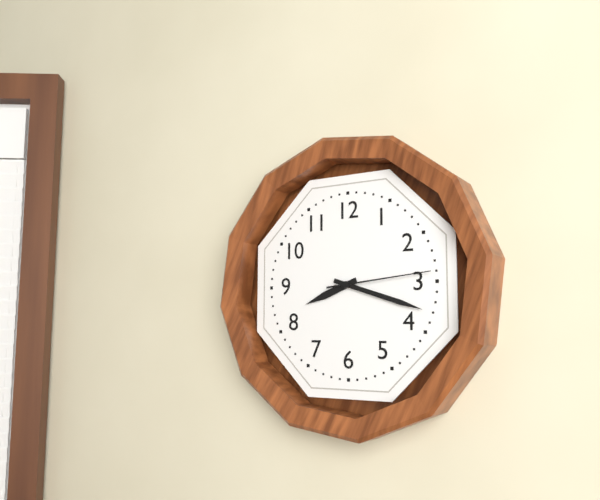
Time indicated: 8:18:14
